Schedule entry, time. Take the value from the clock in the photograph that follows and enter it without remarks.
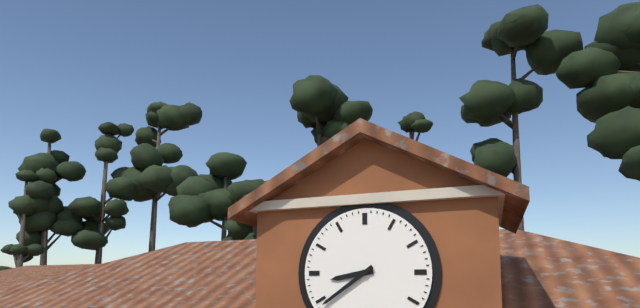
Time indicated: 8:39
